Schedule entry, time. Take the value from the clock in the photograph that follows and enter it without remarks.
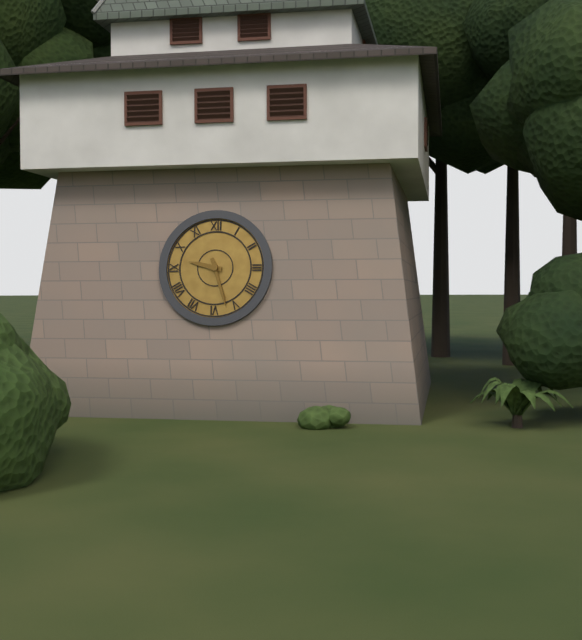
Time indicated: 9:27
